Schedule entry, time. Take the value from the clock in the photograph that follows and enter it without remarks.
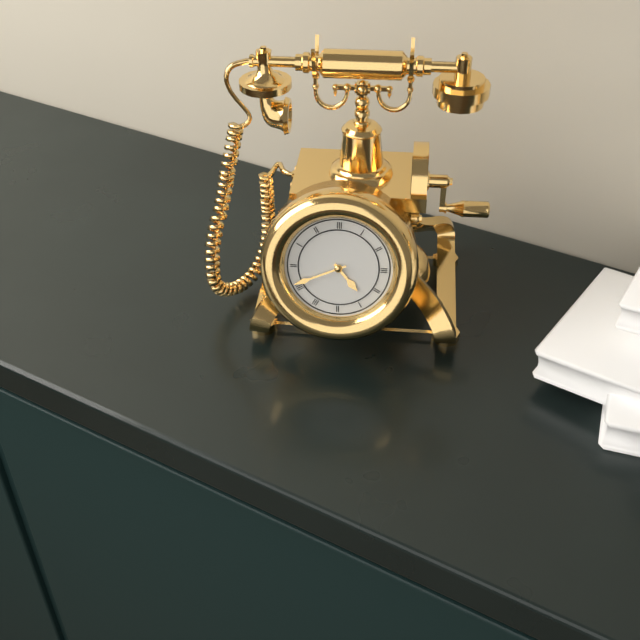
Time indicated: 4:41
